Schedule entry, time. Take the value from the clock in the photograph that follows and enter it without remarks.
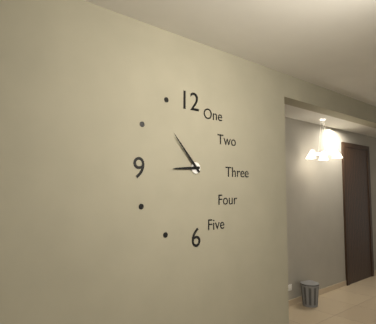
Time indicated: 8:53
